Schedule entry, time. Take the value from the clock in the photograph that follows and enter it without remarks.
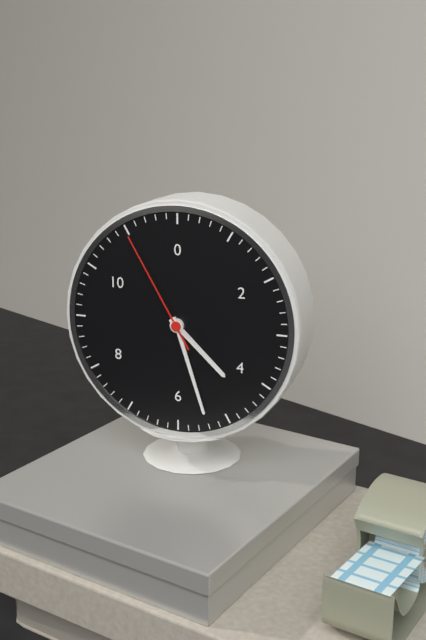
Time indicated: 4:27:55
